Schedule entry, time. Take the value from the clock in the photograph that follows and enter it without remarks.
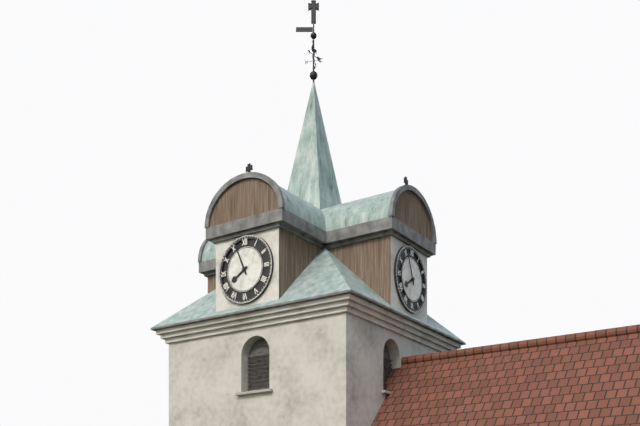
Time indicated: 7:56
